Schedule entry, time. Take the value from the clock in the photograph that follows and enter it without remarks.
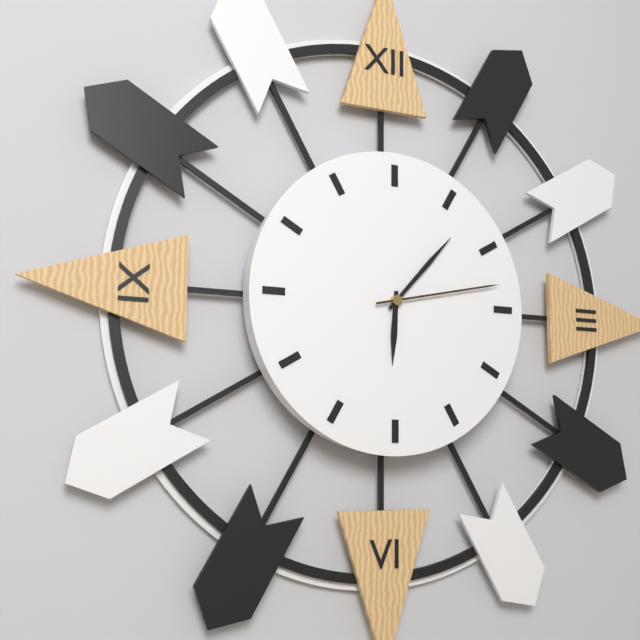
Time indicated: 6:07:13
